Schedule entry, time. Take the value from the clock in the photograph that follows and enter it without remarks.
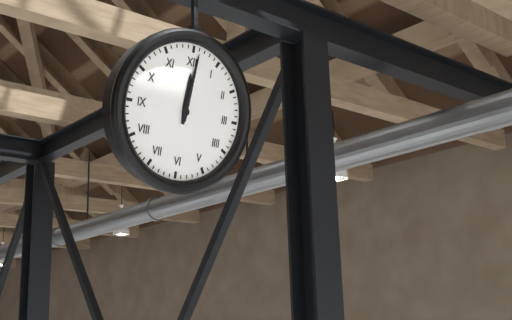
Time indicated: 12:01
